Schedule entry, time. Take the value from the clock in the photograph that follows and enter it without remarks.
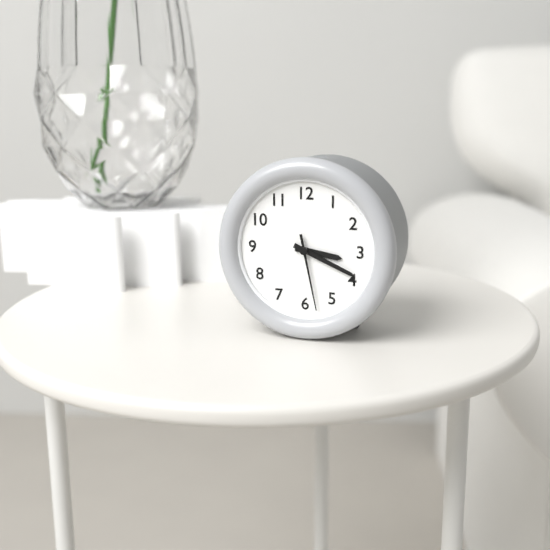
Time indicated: 3:19:28
